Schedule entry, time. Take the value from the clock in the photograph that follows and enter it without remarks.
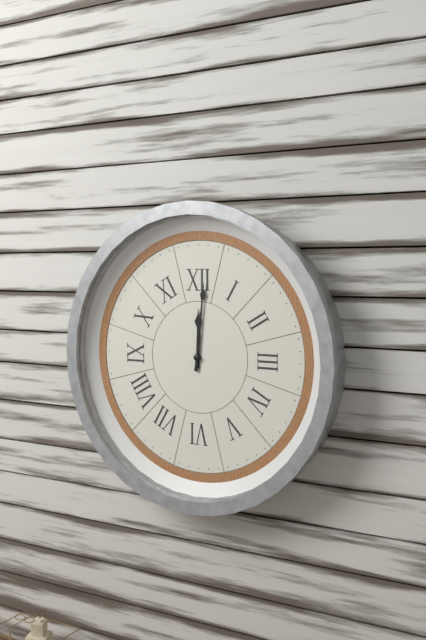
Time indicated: 12:01
